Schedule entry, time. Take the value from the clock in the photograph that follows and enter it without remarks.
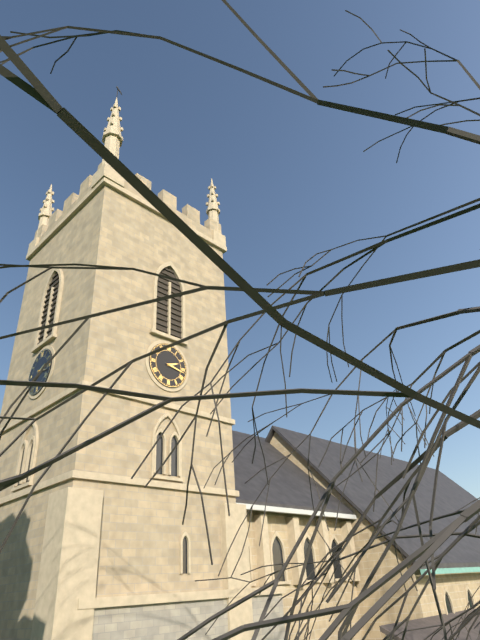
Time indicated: 2:17
